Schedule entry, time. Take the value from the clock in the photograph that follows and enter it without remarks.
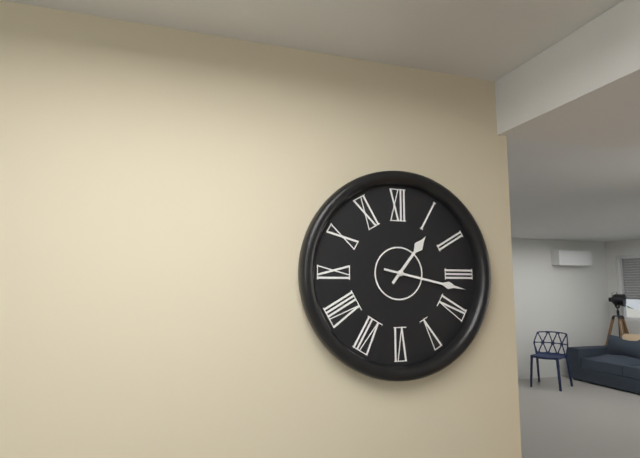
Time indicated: 1:17
